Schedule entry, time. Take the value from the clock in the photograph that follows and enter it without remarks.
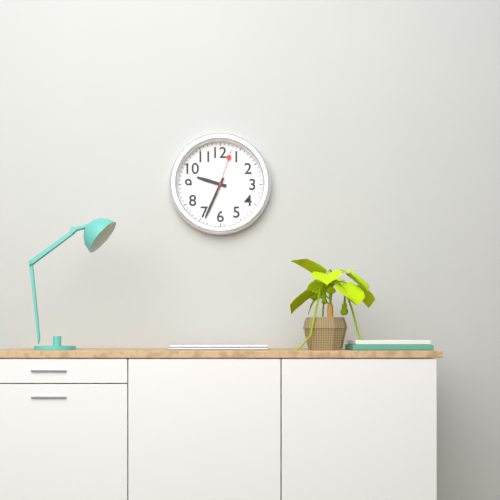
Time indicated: 9:34
